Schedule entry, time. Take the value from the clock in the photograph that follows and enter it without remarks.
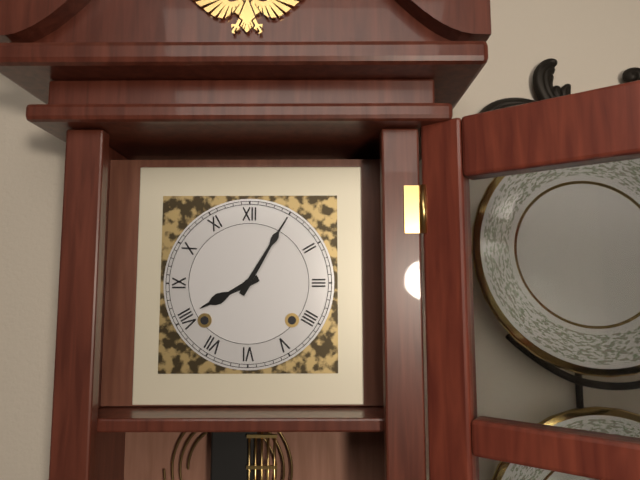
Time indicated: 8:05
